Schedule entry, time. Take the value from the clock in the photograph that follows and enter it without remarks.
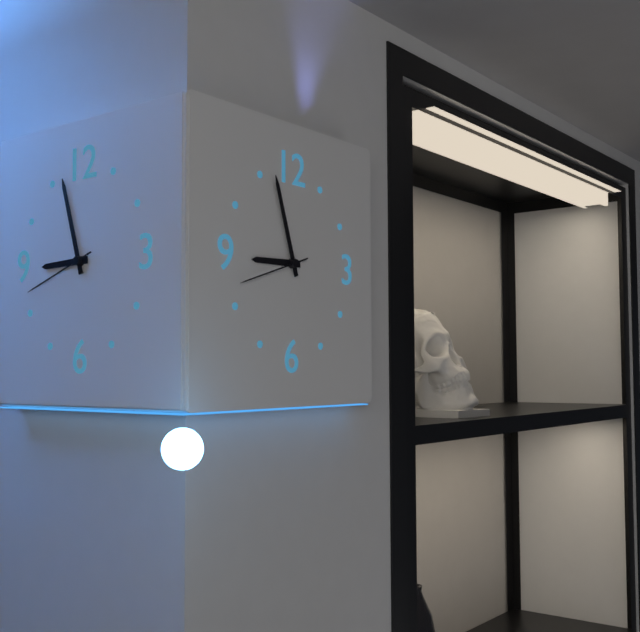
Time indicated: 8:57:42
